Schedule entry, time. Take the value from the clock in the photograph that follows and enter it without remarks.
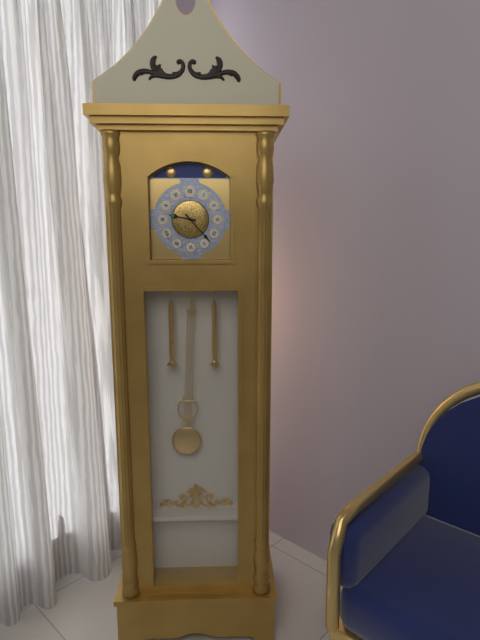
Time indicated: 9:23
